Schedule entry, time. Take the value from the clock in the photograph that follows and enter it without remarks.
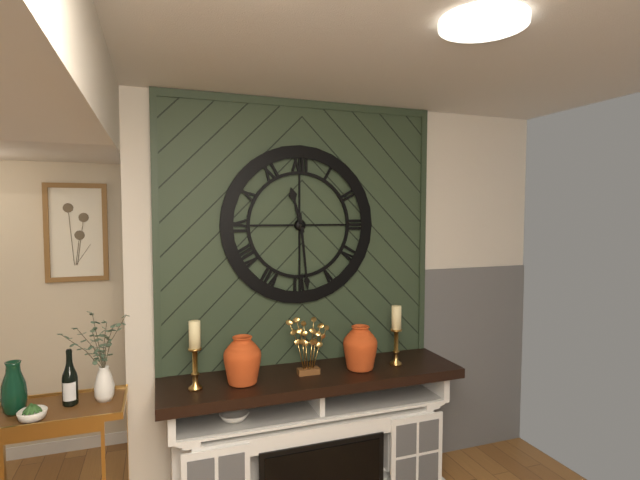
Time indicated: 11:29
